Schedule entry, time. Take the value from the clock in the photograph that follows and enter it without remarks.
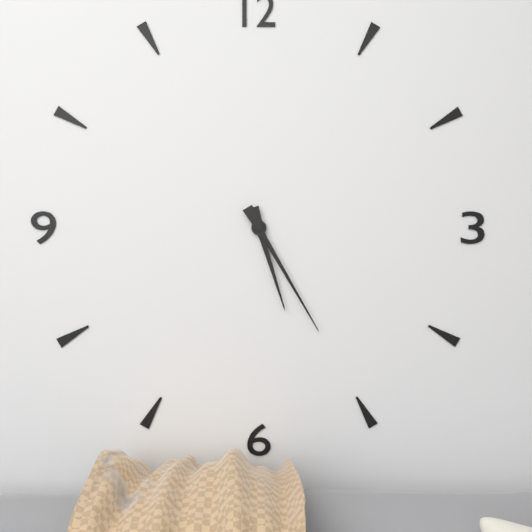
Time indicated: 5:25
